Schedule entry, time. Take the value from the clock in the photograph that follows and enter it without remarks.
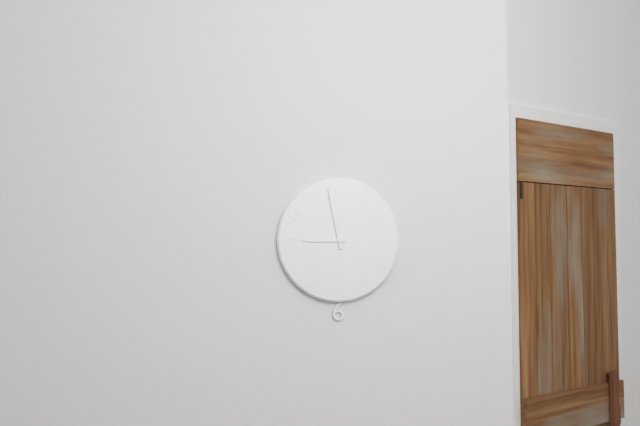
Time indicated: 8:58
